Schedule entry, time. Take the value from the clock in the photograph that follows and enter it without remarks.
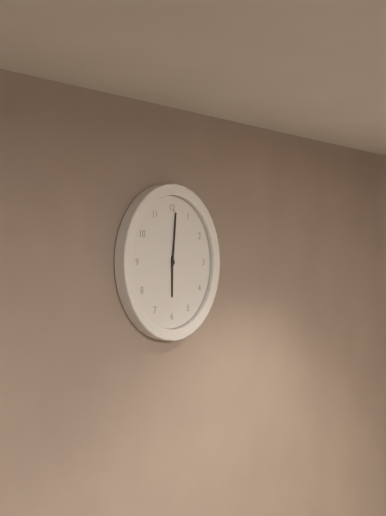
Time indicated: 6:01
